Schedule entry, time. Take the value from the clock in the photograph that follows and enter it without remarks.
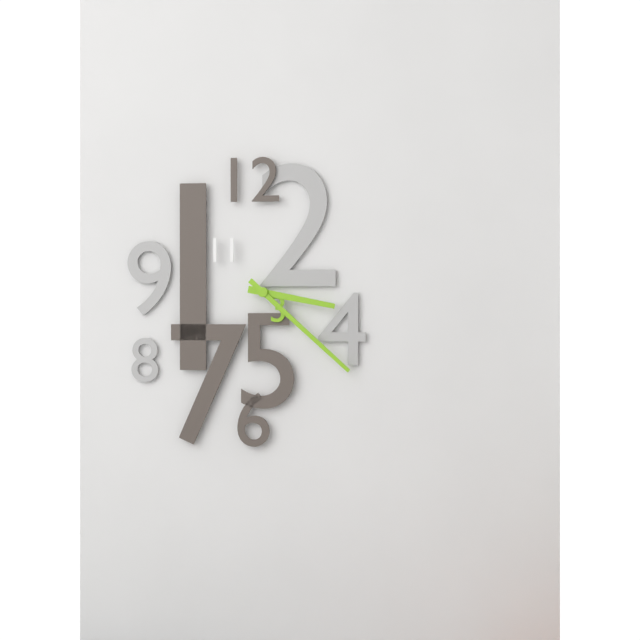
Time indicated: 3:22
